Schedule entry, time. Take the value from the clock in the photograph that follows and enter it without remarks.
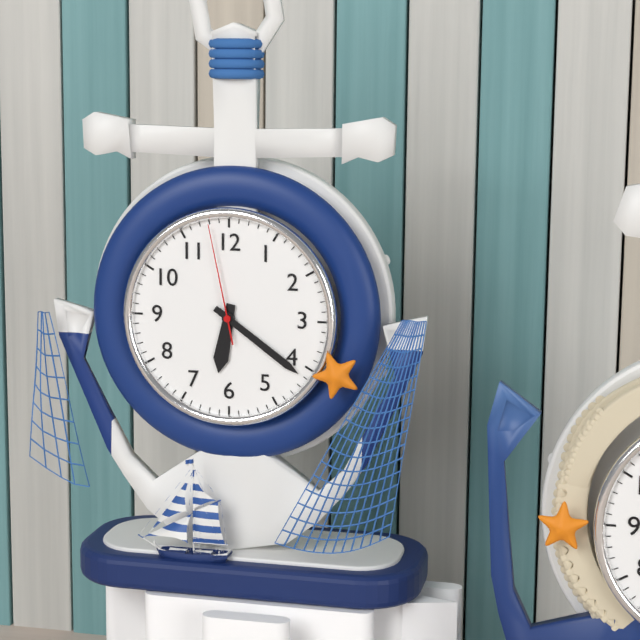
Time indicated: 6:21:58
